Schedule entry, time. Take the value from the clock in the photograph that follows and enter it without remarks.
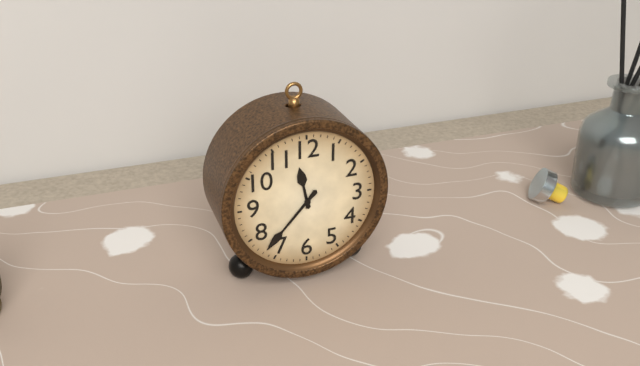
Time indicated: 11:37
